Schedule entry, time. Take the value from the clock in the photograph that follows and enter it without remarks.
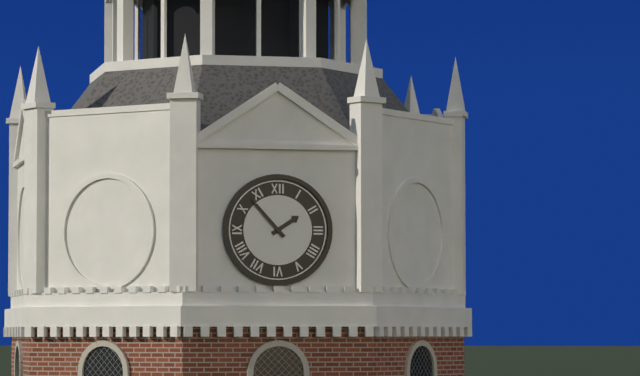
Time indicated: 1:53
